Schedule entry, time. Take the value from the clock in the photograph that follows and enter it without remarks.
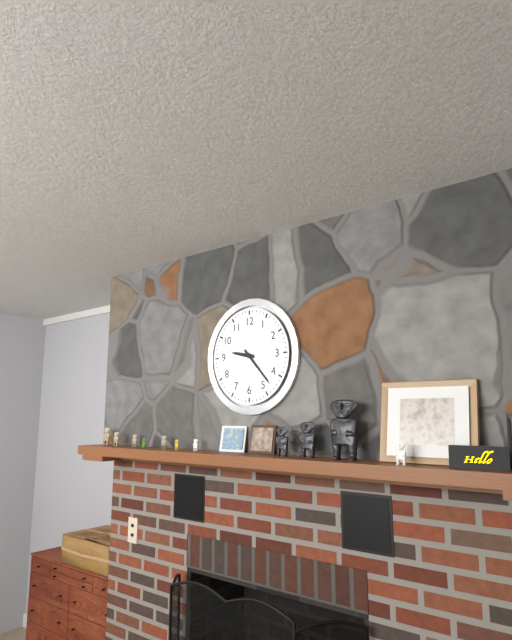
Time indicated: 9:23
